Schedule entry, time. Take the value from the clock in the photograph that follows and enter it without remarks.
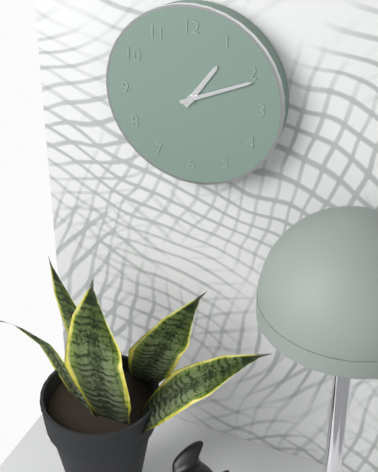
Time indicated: 1:11
